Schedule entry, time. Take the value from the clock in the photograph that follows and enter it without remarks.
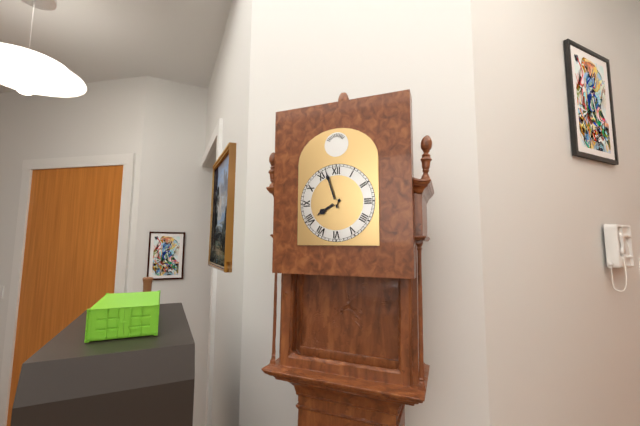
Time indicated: 7:57
